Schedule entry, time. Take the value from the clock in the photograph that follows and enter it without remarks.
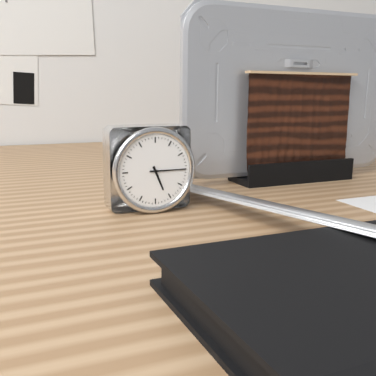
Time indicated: 5:15
